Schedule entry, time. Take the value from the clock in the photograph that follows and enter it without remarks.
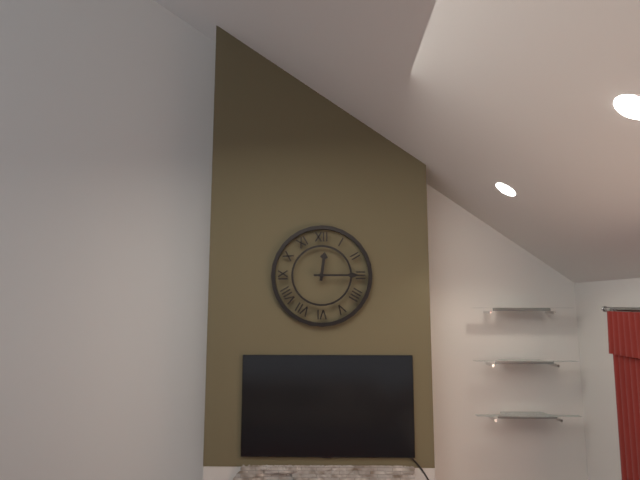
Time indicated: 12:15
